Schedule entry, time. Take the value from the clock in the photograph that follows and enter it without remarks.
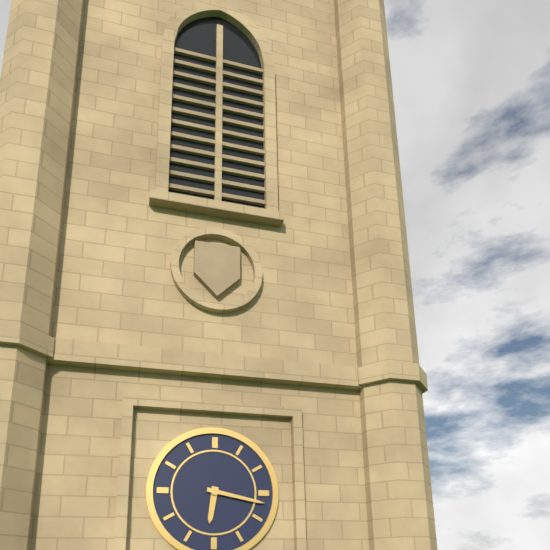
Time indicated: 6:17
